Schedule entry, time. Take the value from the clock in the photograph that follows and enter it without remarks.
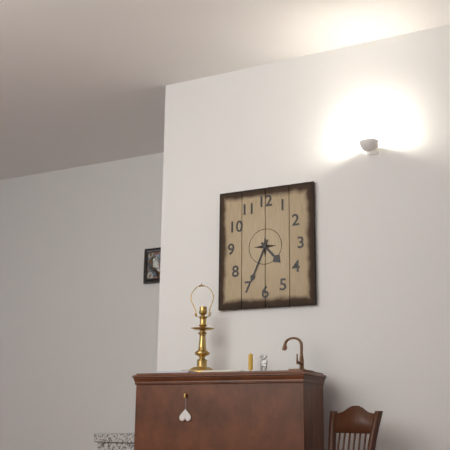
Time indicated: 4:34
